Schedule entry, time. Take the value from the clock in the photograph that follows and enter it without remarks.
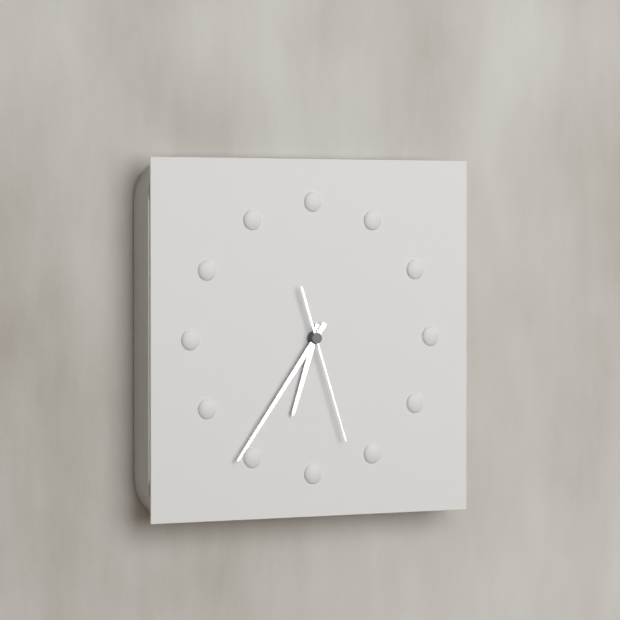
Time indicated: 6:36:27
